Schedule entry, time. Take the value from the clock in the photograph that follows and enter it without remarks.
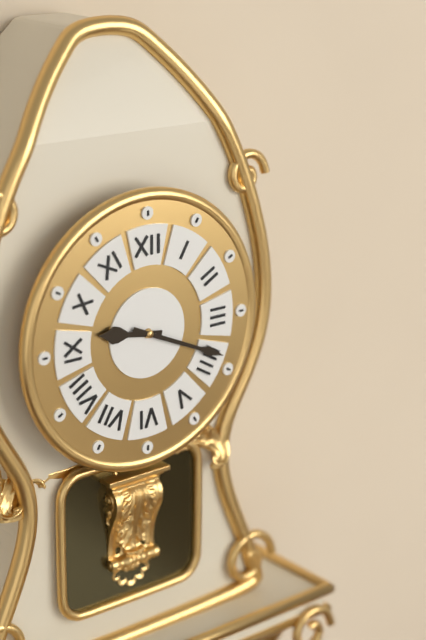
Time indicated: 9:19
